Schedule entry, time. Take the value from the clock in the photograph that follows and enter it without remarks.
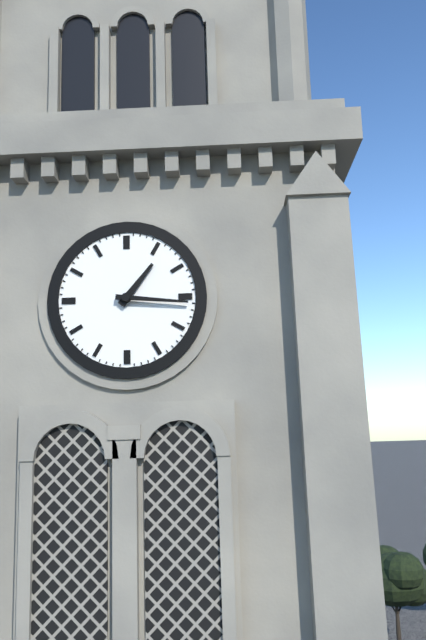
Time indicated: 1:16
